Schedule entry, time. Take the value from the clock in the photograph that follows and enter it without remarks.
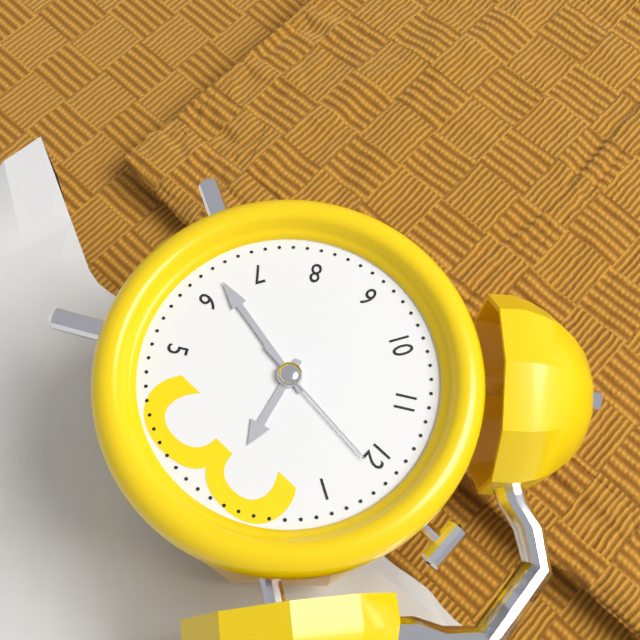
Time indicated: 2:32:01
